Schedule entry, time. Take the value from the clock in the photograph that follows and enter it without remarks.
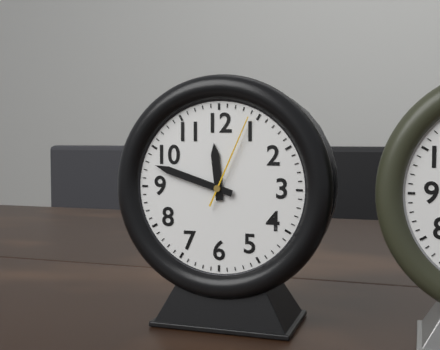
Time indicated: 11:48:04
